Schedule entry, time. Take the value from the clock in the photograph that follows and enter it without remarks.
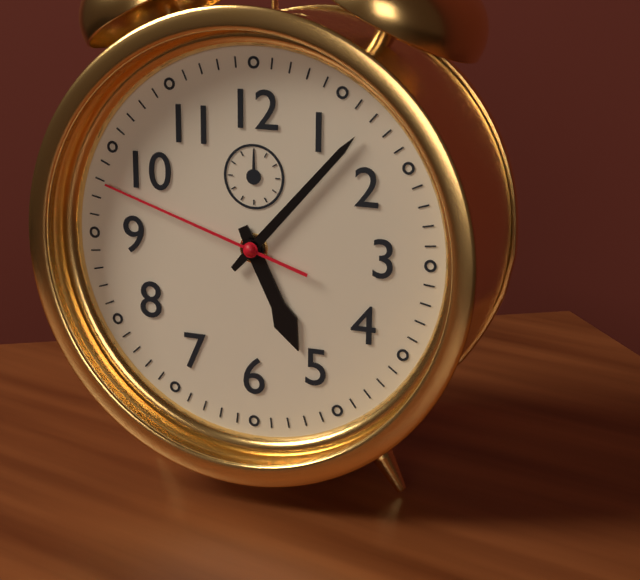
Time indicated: 5:07:48
